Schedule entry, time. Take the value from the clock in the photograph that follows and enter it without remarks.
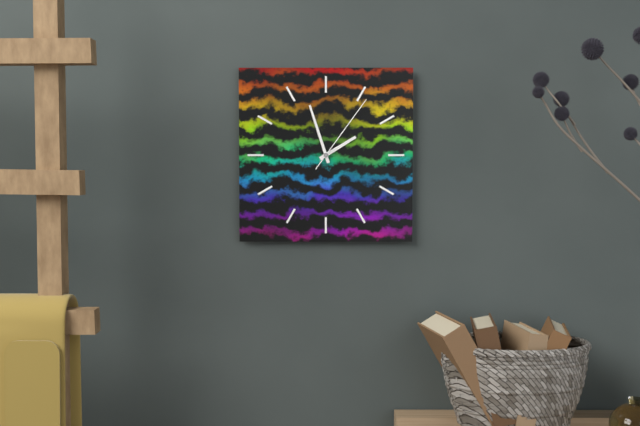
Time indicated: 1:57:06
